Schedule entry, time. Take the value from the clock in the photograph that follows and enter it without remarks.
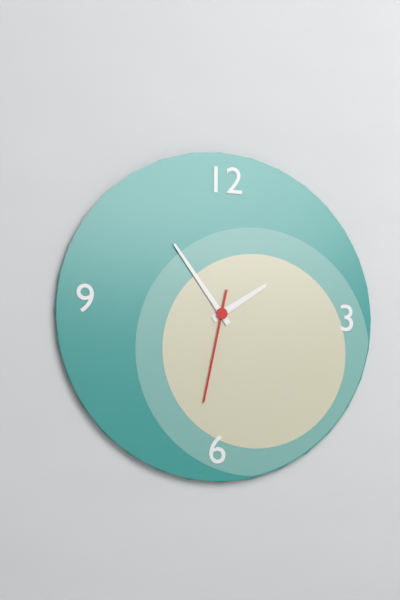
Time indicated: 1:54:32
